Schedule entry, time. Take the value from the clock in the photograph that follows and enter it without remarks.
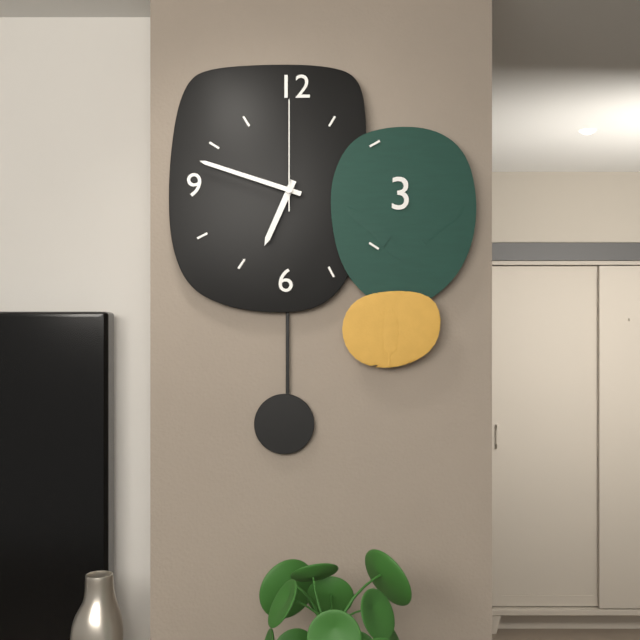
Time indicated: 6:48:00
